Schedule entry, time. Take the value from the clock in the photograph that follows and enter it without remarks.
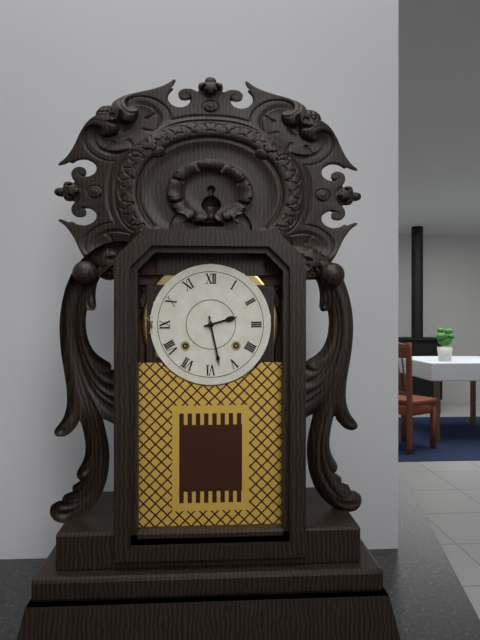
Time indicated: 2:28
